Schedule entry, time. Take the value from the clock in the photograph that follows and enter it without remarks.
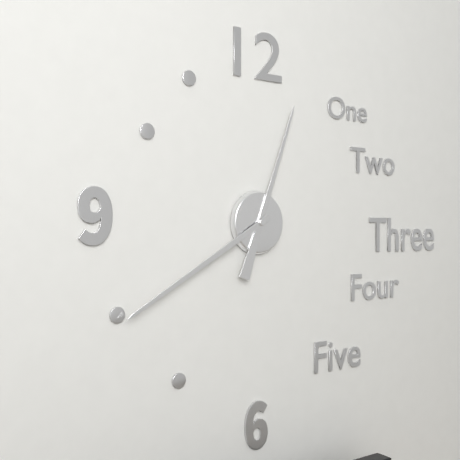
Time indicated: 12:40
